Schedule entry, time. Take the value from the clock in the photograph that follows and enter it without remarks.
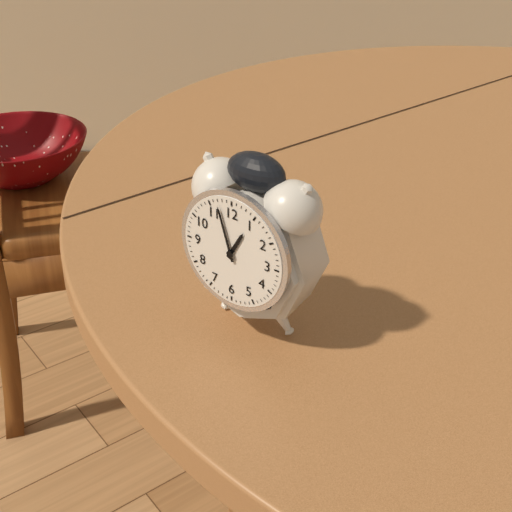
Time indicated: 12:57
